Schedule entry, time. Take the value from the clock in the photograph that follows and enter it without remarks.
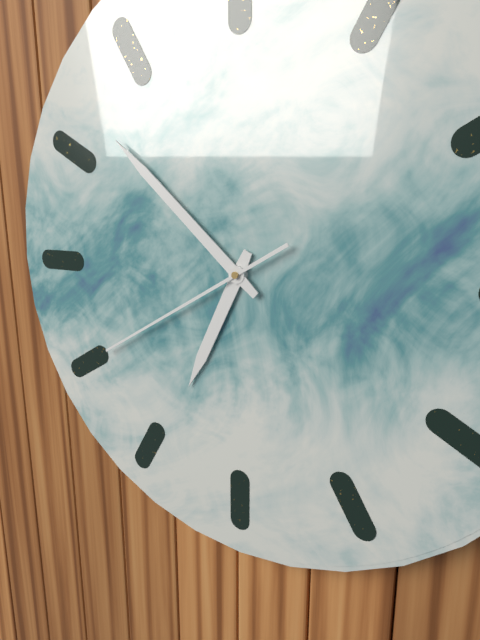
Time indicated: 6:52:40
